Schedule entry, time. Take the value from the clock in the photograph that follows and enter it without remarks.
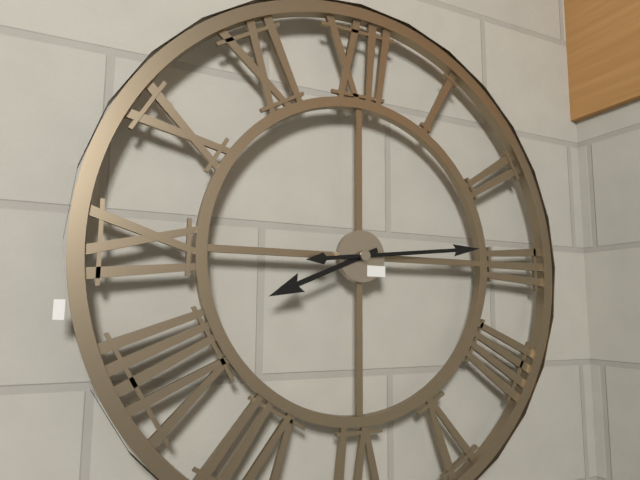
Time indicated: 8:14
